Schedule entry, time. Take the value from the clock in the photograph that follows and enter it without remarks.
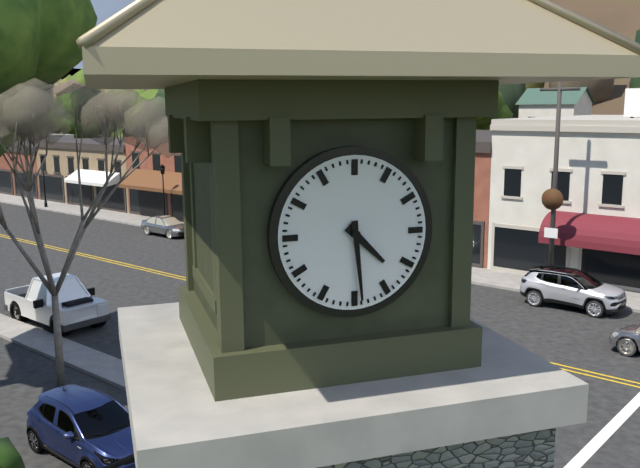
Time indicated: 4:29
